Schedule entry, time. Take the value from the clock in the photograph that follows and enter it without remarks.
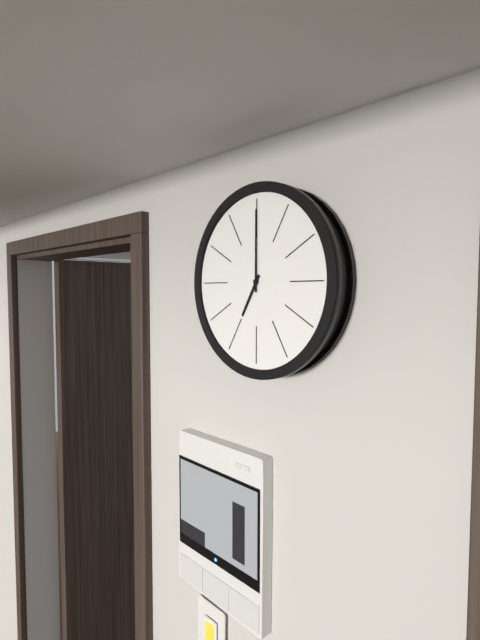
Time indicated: 7:00
